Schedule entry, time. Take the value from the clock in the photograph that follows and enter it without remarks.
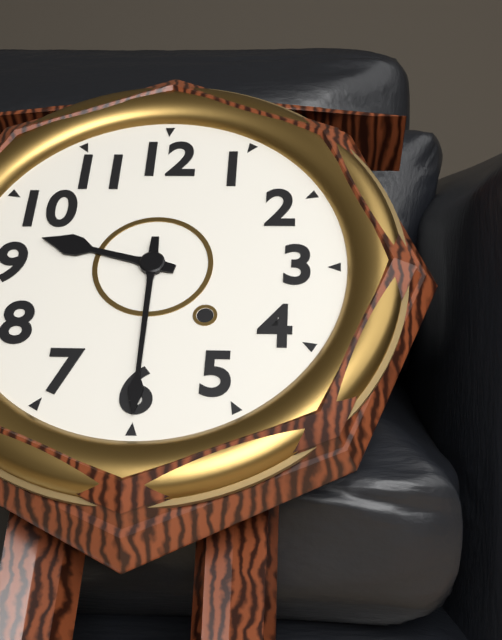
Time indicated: 9:30
